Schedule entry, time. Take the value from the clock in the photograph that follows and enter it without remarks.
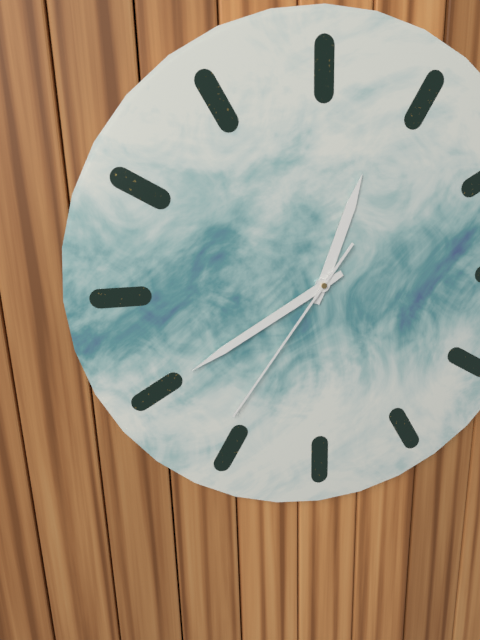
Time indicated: 12:40:36
